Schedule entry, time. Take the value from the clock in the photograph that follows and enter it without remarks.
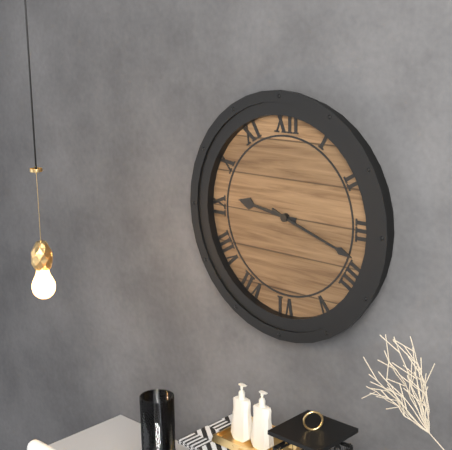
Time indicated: 9:18
